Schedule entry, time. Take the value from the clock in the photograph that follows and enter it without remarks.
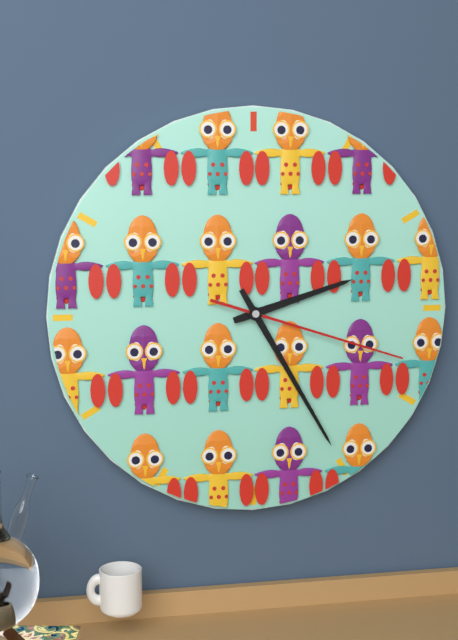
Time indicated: 2:25:18
